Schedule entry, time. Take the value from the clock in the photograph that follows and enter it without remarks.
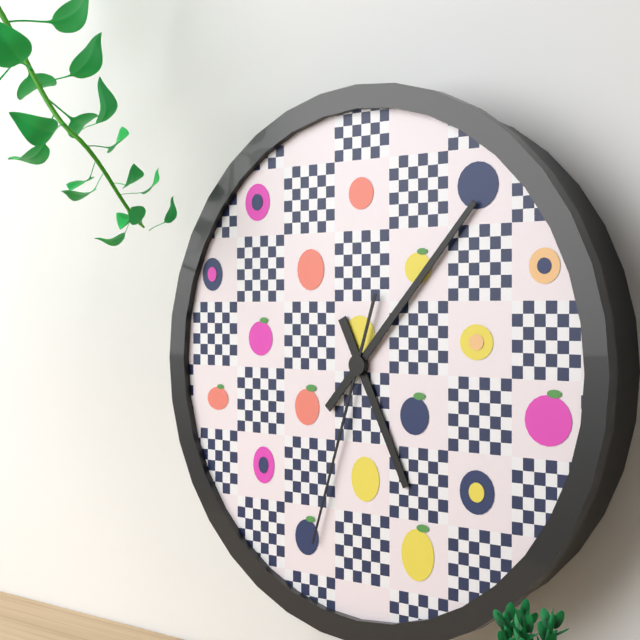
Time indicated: 5:07:33
